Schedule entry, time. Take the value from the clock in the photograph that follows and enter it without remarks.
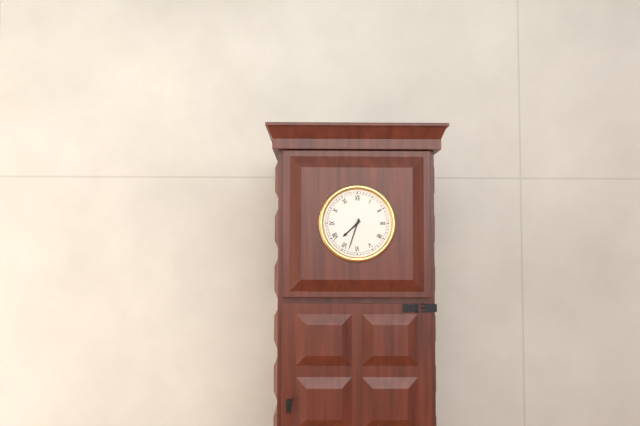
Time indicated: 7:33
